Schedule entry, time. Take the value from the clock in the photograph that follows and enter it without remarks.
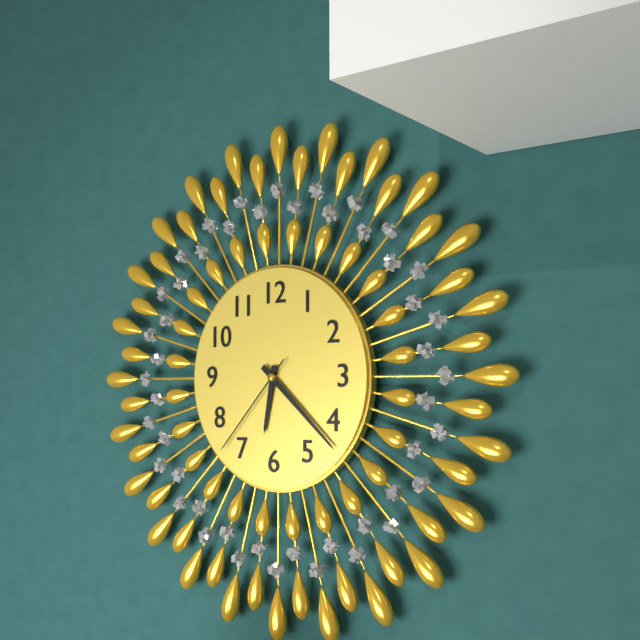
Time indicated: 6:22:37
